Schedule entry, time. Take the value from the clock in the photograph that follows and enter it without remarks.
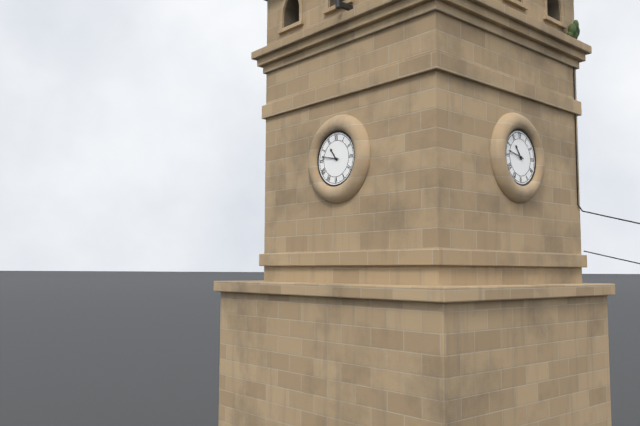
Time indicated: 10:47
